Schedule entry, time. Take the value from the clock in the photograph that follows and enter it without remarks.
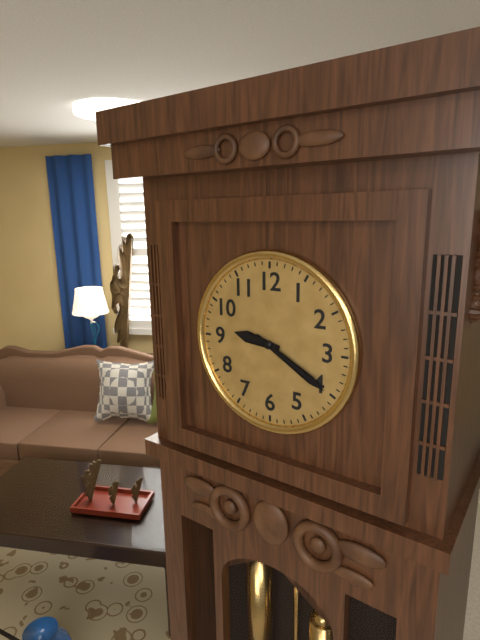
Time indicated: 9:20
